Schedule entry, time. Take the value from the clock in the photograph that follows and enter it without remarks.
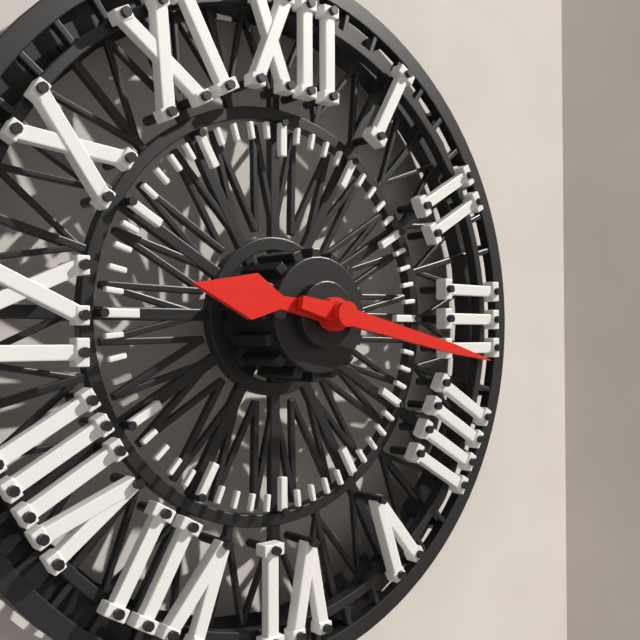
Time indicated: 9:17
